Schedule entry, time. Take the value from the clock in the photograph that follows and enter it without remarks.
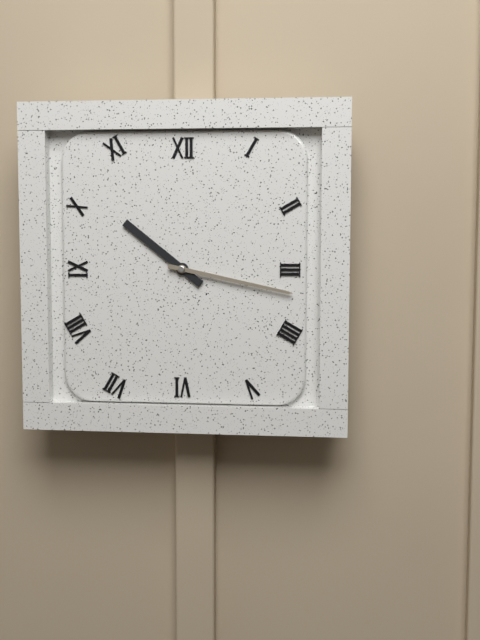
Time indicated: 10:17
